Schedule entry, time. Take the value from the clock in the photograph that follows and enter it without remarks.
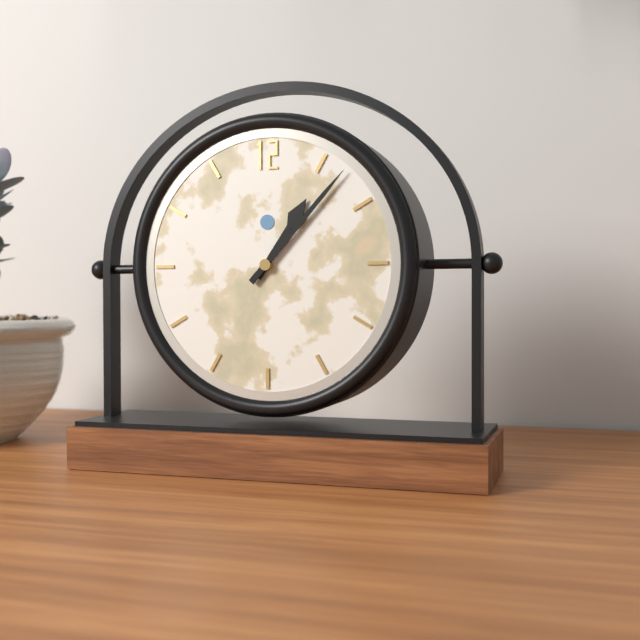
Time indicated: 1:07
